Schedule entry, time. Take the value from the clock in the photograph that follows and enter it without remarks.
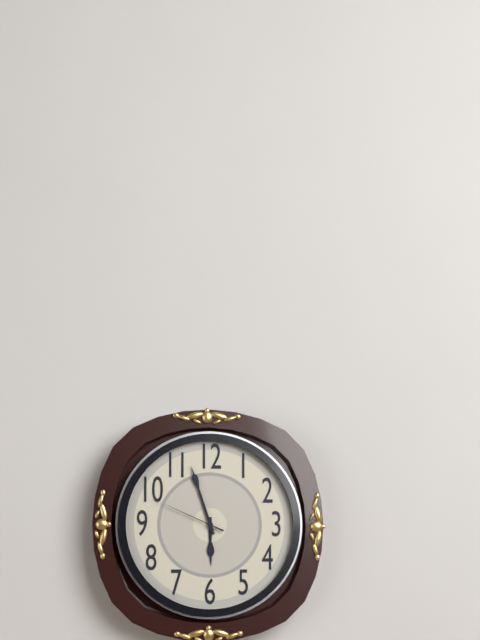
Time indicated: 5:57:49
